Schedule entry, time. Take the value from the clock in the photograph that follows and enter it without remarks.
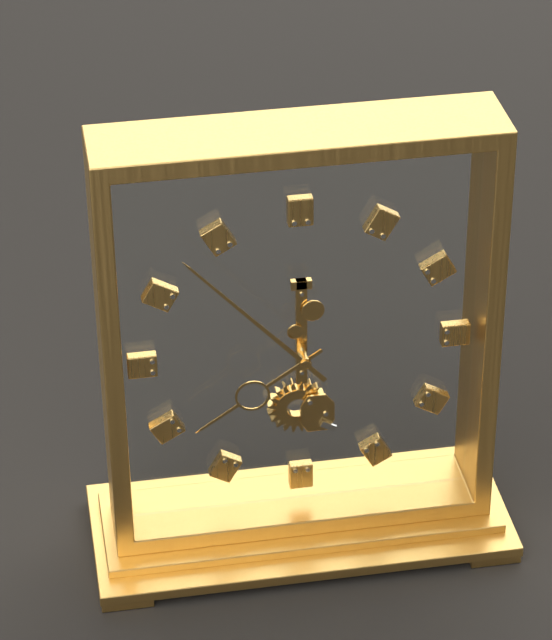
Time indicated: 7:53
